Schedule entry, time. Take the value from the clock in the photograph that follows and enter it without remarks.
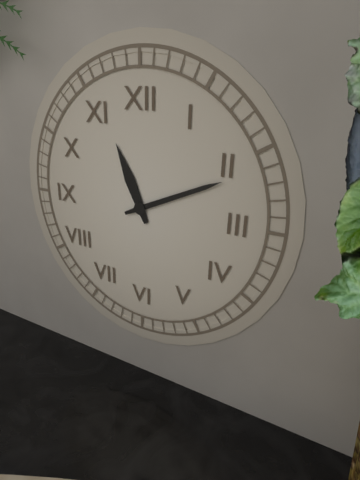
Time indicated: 11:11
